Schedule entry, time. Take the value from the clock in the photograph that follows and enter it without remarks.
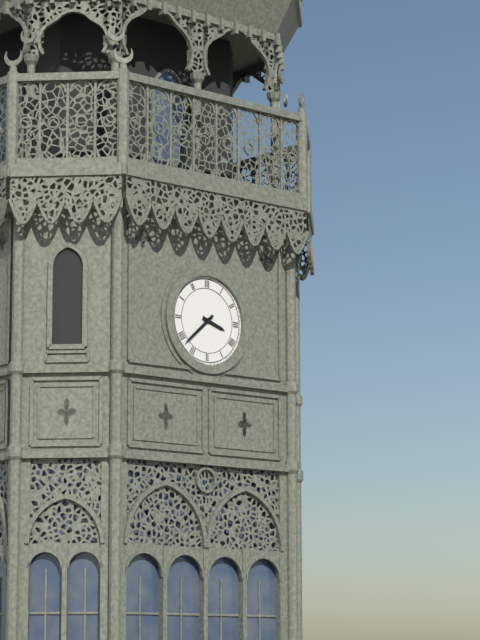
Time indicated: 3:38
